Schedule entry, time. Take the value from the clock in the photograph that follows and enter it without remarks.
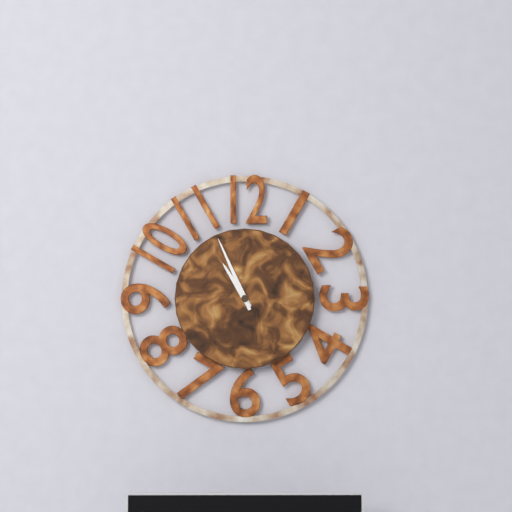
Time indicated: 10:56
